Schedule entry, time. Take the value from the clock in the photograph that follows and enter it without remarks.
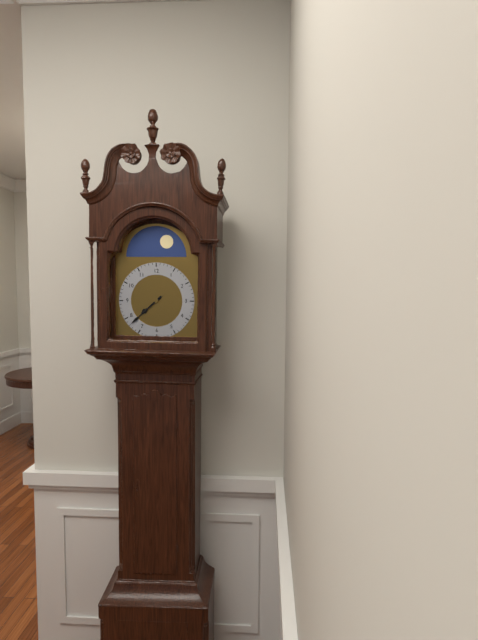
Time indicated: 7:38
